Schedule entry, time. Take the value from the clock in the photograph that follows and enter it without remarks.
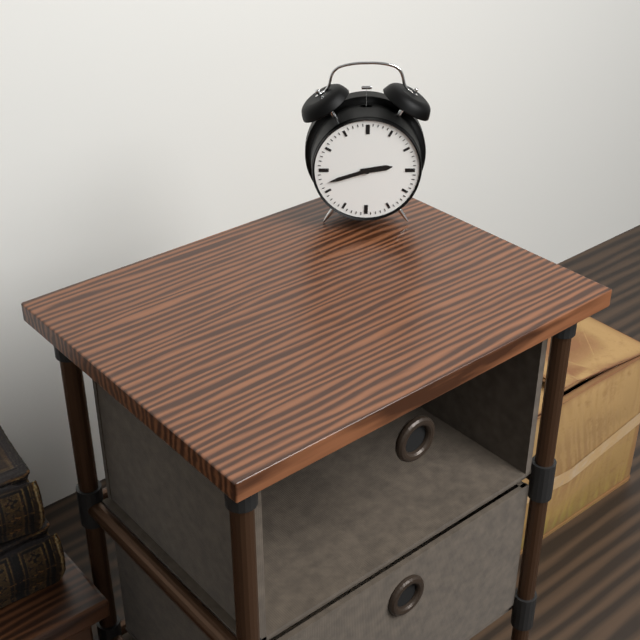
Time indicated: 2:42
